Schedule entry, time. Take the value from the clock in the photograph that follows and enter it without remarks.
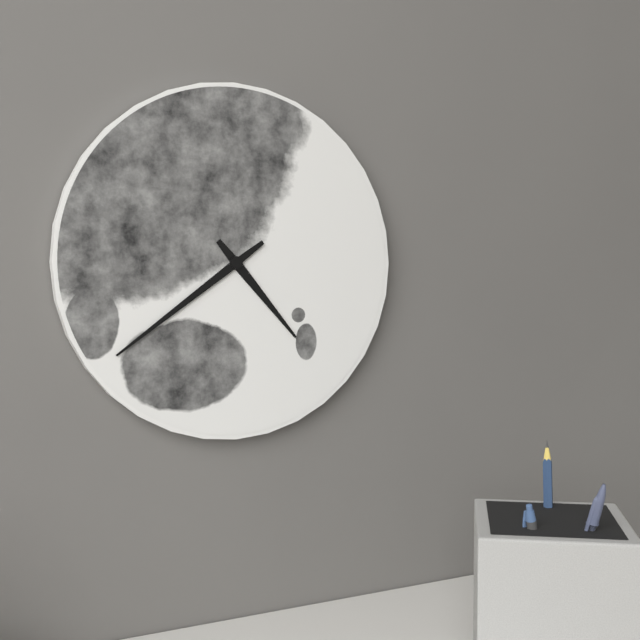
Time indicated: 4:39
